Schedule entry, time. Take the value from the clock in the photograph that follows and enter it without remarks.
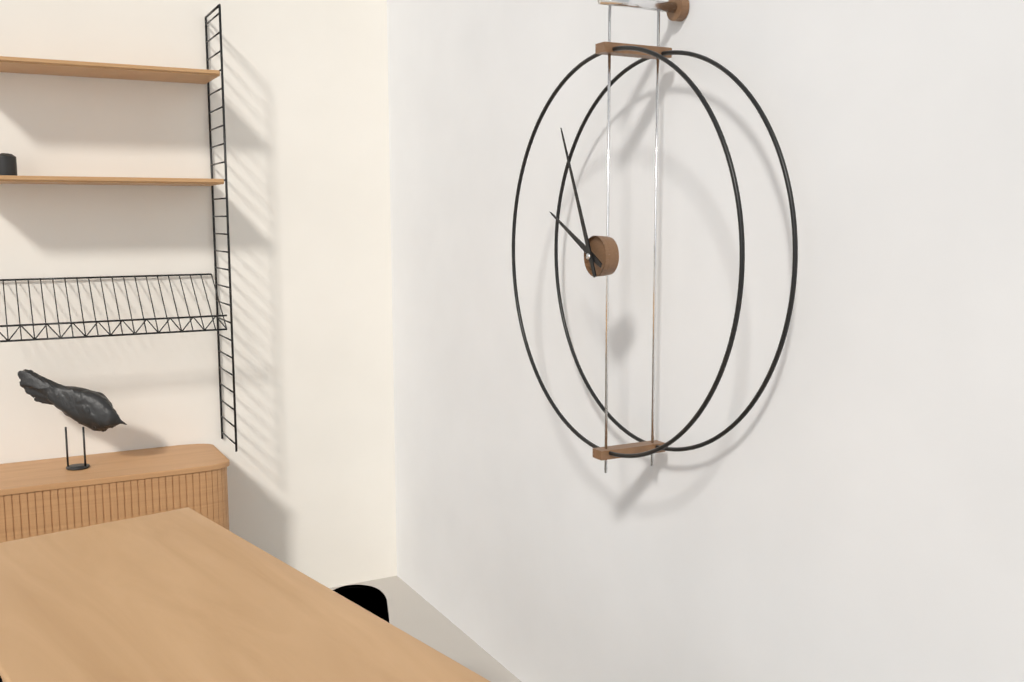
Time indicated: 9:56
